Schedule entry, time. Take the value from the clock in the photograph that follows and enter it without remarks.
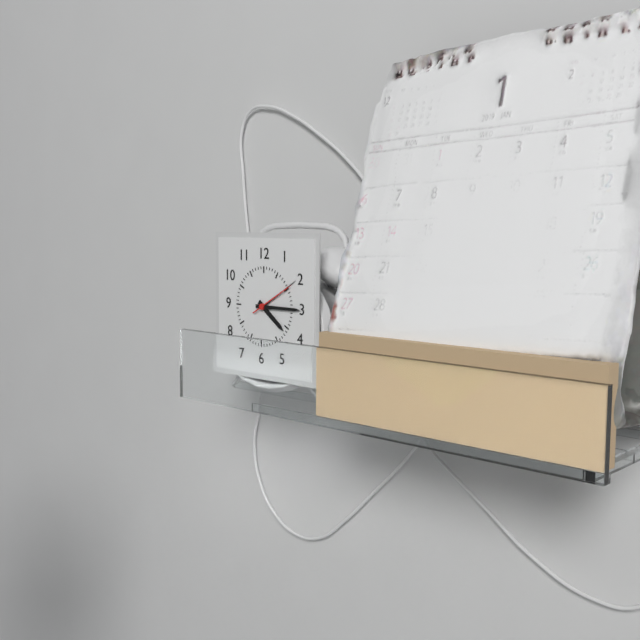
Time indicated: 4:15
